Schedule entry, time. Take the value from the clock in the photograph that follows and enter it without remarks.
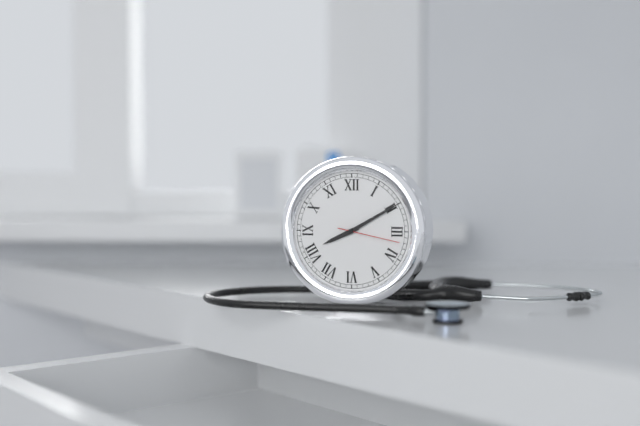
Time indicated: 8:10:17
